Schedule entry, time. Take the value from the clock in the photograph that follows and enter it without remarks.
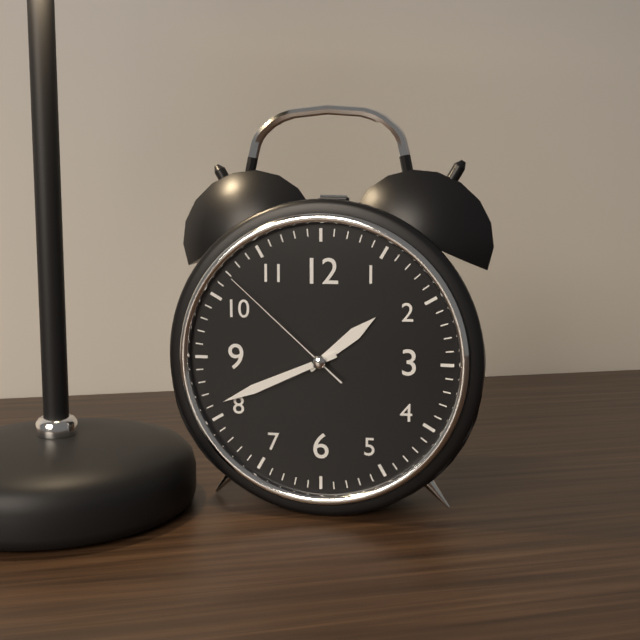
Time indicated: 1:41:52
